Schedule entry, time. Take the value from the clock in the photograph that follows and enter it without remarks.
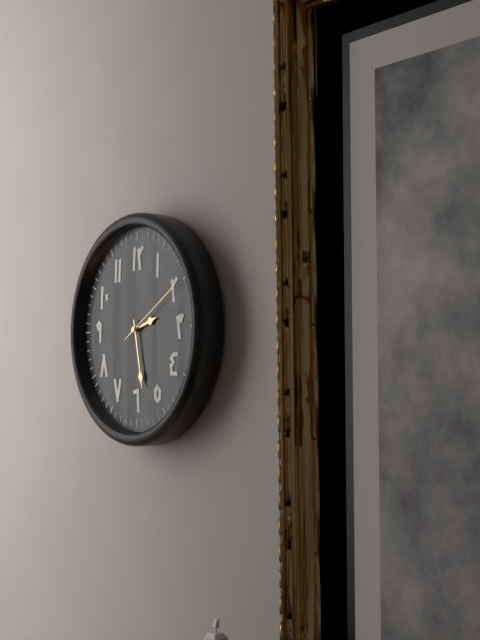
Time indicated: 2:28:10
